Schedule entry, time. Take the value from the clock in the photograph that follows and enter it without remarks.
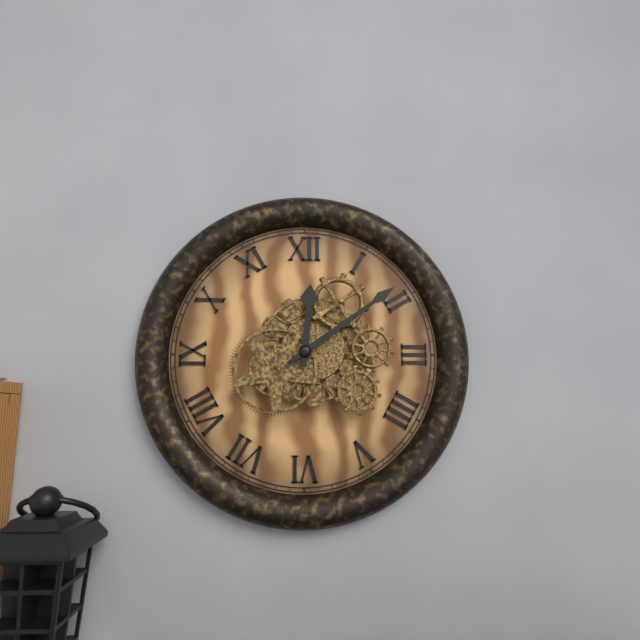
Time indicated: 12:09
